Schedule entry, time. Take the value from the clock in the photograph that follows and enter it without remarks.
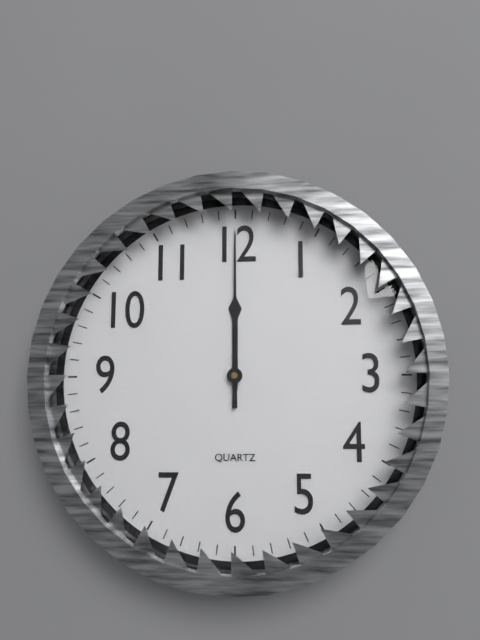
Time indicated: 12:00
